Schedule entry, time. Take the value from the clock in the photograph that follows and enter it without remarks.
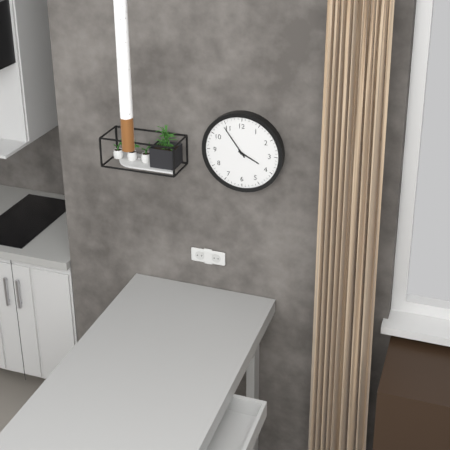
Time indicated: 3:54
